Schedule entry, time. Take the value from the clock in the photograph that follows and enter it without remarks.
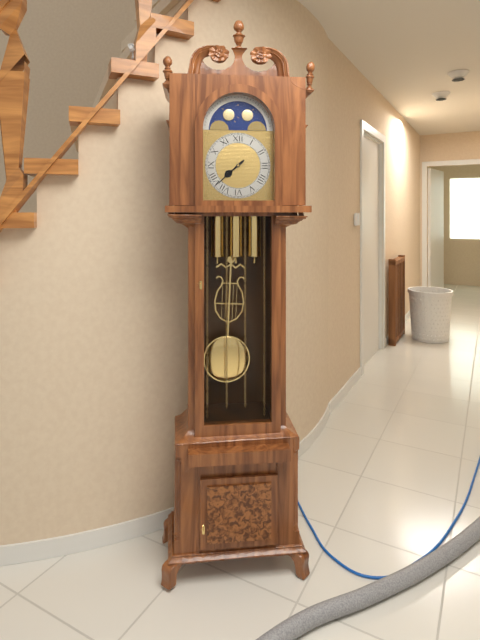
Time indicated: 7:38
